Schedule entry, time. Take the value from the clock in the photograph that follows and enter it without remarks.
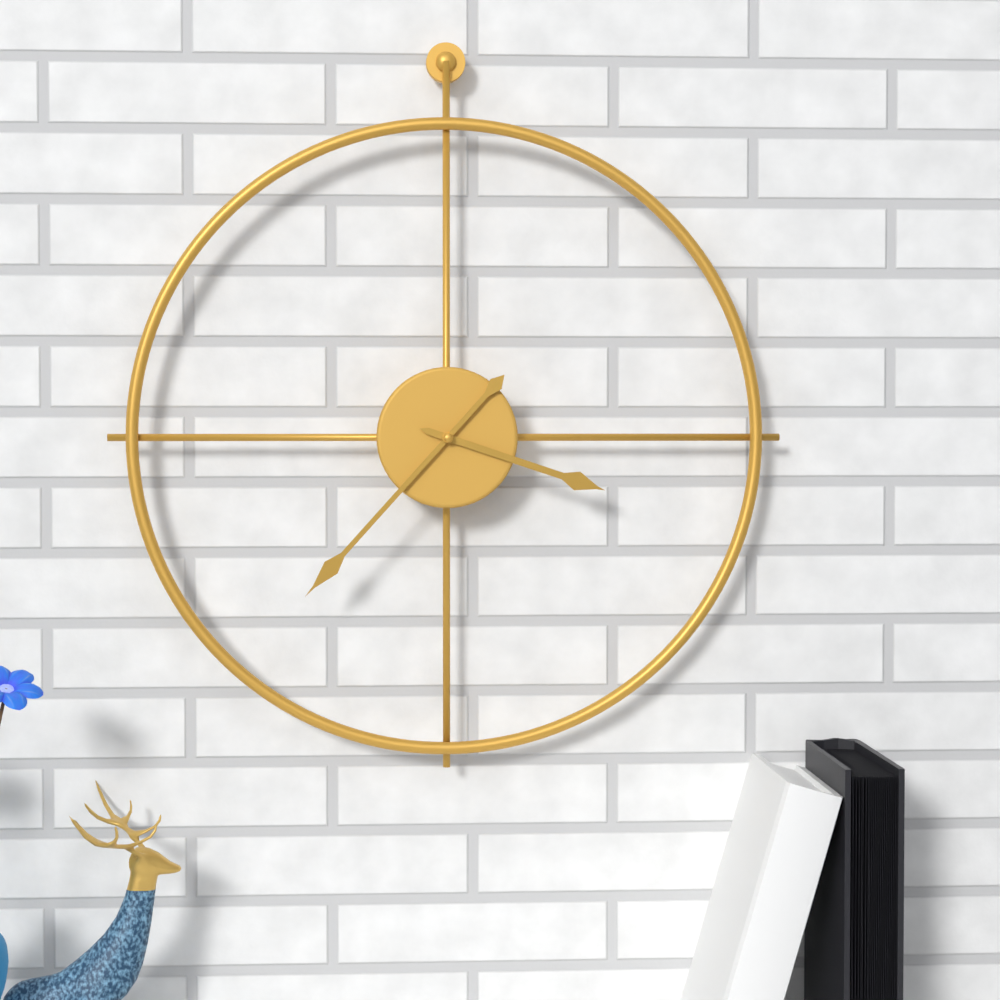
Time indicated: 3:37
